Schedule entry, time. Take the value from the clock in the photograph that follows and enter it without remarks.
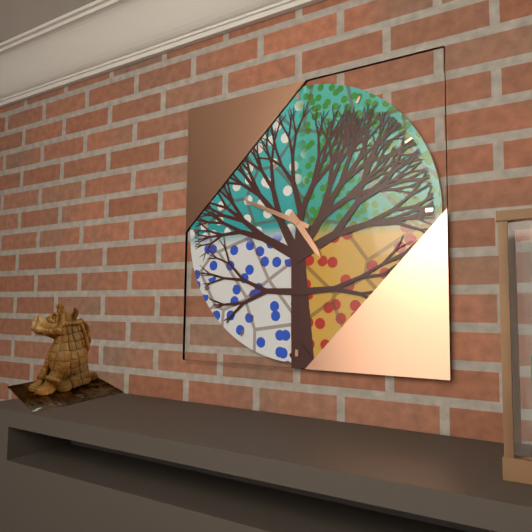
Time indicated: 4:49
